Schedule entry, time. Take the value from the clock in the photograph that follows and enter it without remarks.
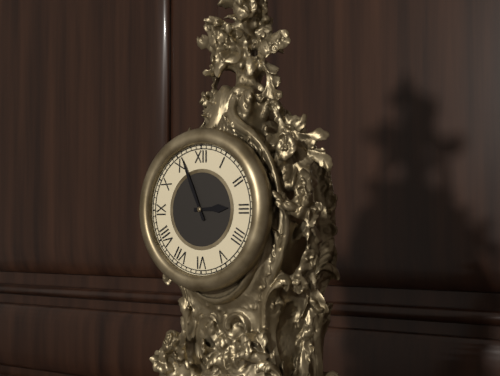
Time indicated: 2:56
